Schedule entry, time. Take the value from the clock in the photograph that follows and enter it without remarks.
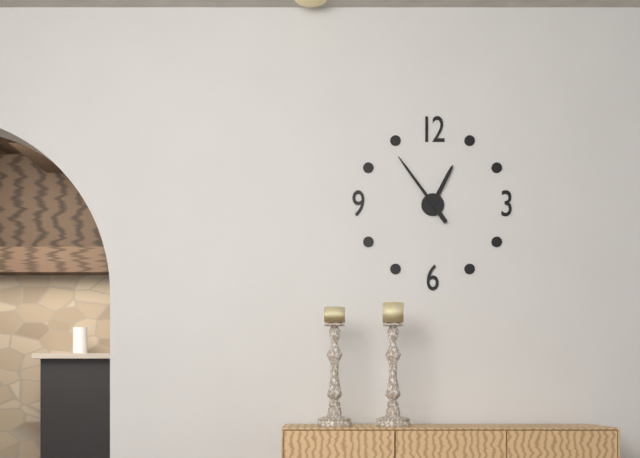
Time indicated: 12:54
